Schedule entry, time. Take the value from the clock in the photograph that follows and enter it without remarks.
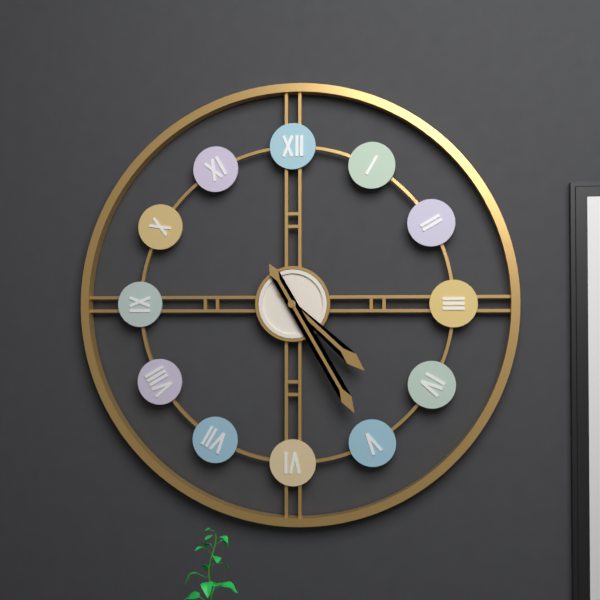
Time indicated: 4:25
